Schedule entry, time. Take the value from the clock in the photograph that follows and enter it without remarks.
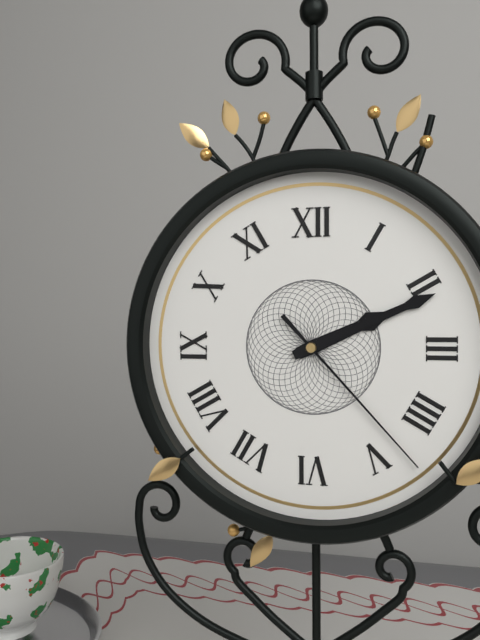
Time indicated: 2:11:23
